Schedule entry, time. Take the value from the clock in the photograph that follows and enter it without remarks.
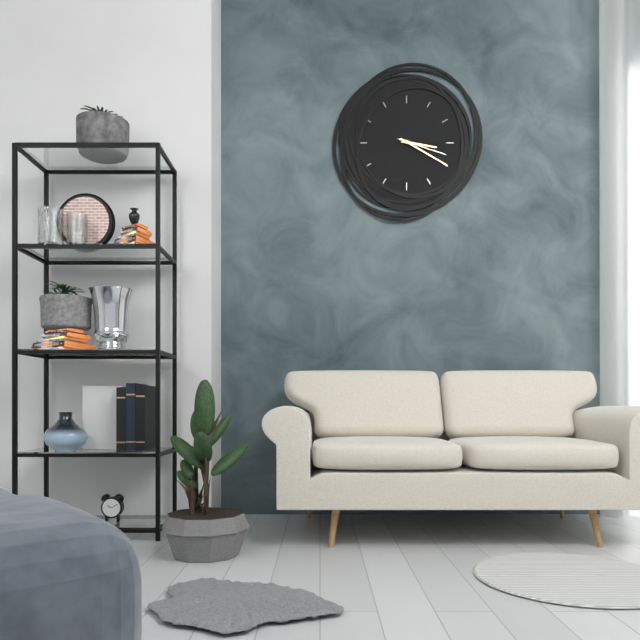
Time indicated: 3:20:18
